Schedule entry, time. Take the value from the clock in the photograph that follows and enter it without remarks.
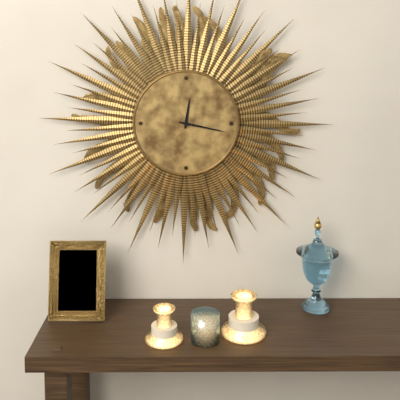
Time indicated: 12:17
